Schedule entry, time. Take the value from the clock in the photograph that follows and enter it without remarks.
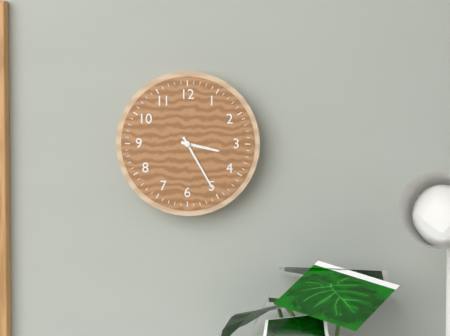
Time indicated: 3:25
